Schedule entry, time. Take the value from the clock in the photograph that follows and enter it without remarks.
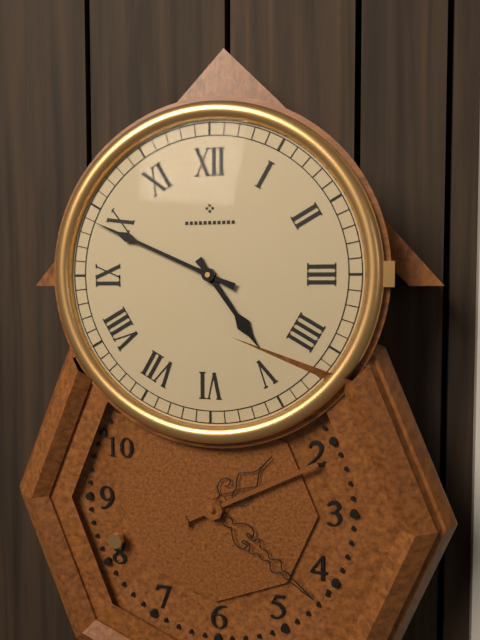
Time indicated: 4:49
